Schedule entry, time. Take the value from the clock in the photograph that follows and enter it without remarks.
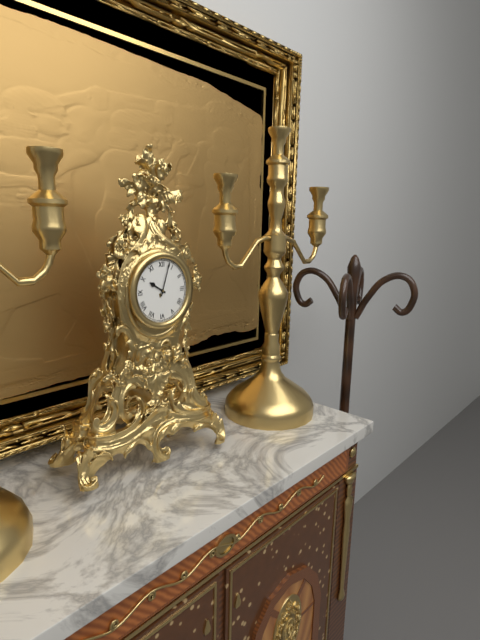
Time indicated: 10:03
